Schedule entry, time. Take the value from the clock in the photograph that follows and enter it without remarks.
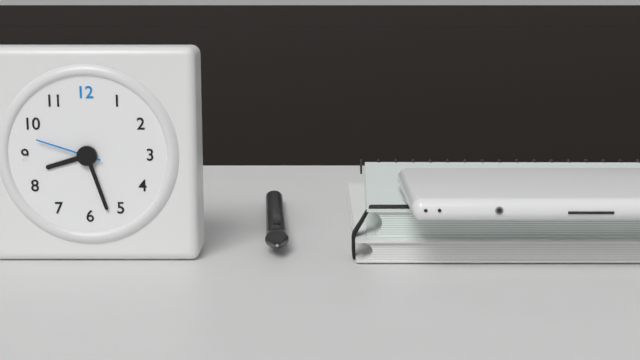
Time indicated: 8:27:48
